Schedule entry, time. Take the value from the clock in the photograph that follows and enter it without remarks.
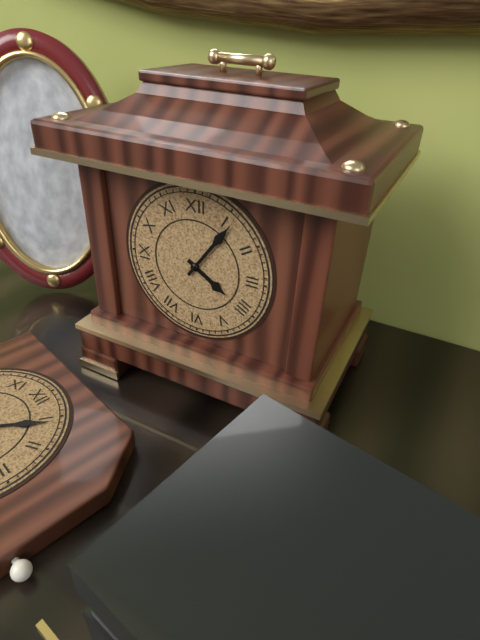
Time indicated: 4:06
